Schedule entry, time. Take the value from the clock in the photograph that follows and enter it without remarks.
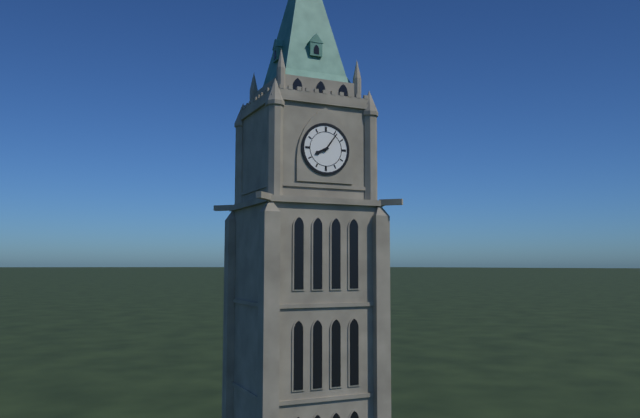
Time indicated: 8:06
